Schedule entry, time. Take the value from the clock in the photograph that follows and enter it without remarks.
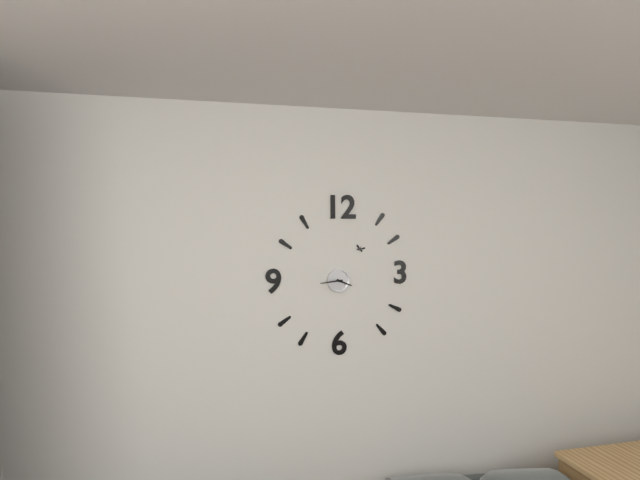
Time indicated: 3:44
